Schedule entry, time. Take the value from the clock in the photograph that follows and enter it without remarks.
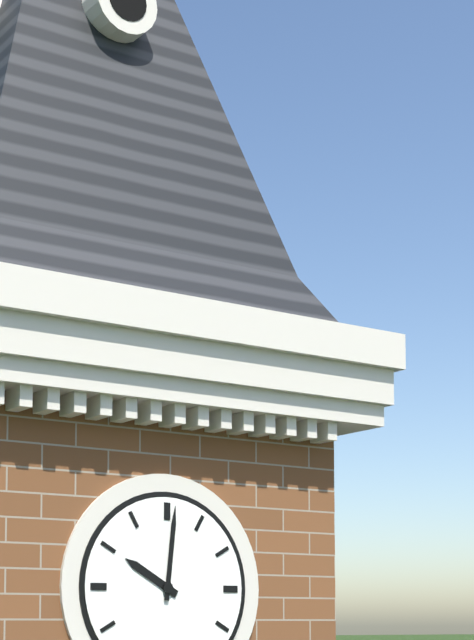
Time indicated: 10:01
